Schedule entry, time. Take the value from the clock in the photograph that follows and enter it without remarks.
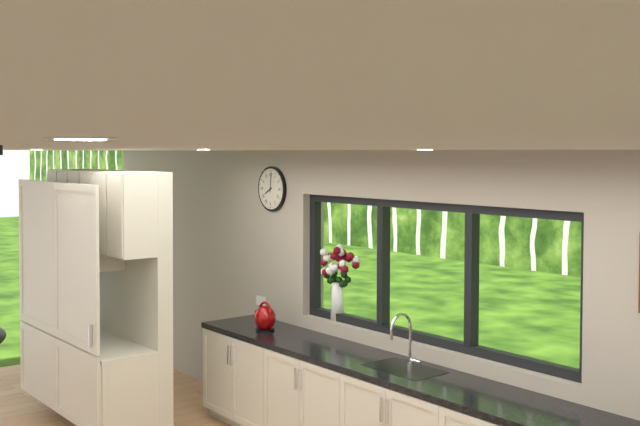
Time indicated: 8:01
